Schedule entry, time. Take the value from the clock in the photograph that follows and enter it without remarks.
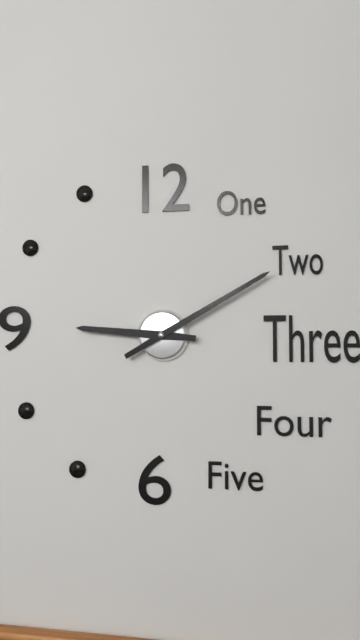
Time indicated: 9:10
